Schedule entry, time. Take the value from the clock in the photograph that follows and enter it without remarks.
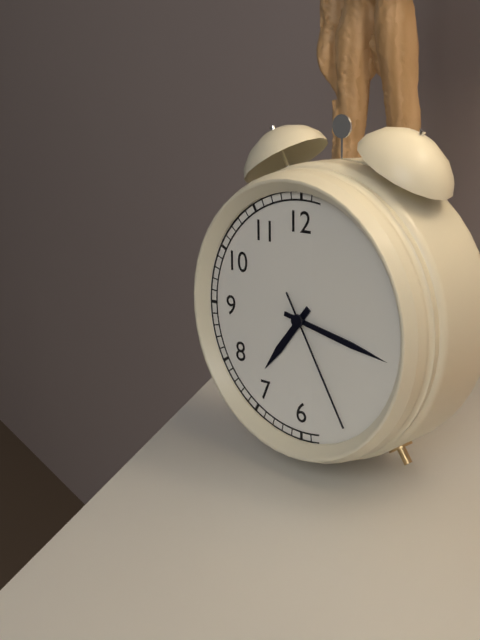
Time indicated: 7:17:25
